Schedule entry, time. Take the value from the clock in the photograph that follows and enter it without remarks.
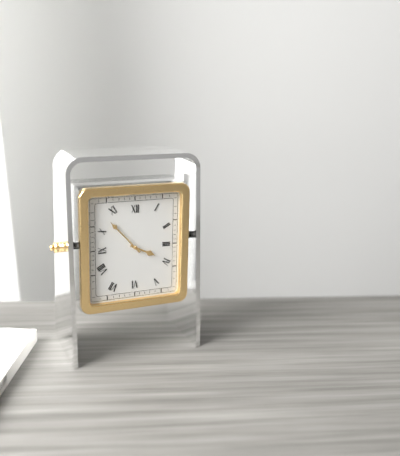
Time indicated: 3:53
